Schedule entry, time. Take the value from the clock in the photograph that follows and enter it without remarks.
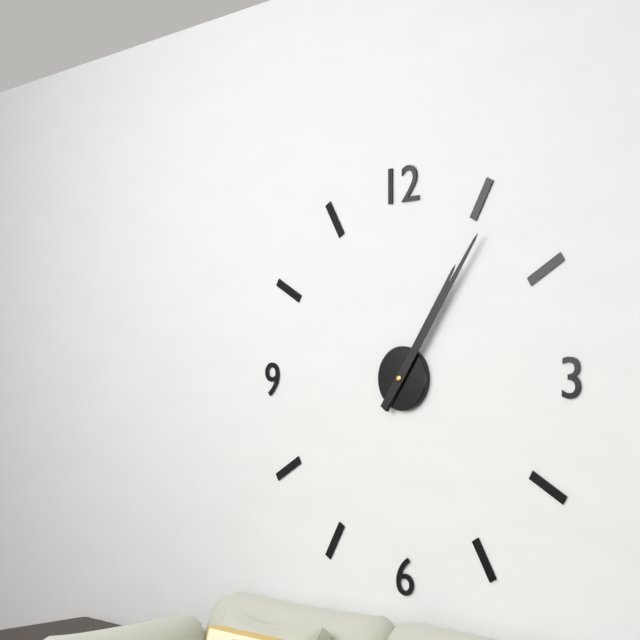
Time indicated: 1:06
